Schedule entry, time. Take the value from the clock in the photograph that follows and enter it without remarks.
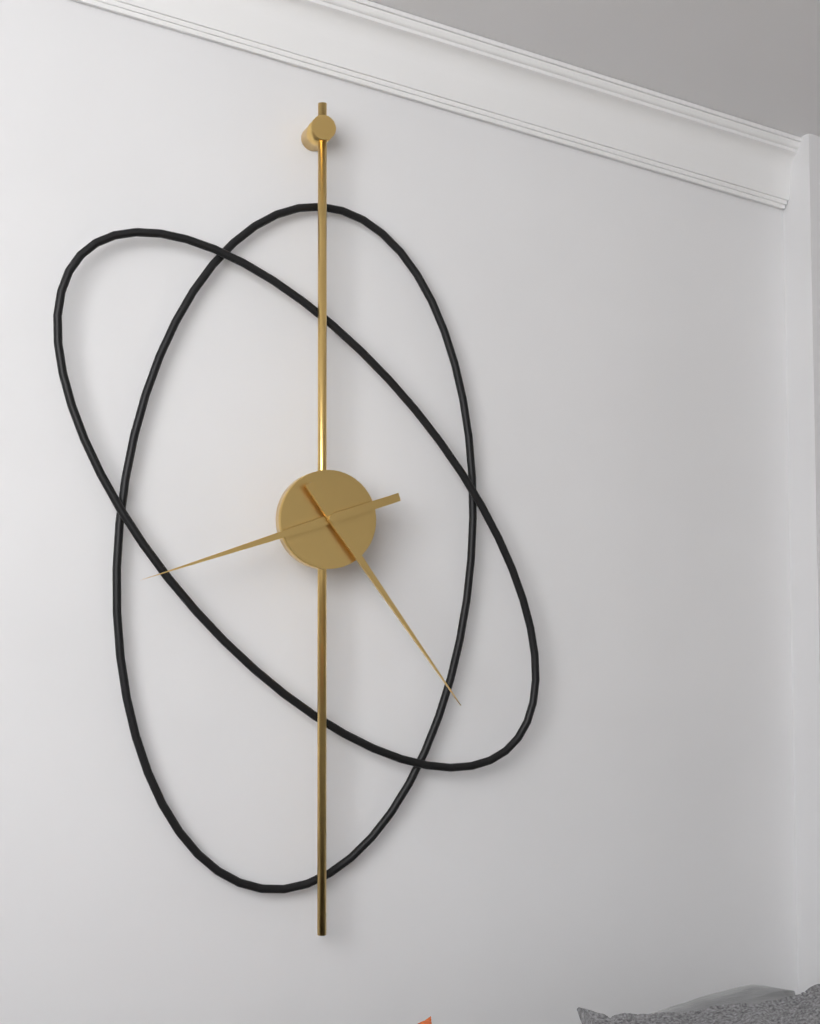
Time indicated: 8:24
